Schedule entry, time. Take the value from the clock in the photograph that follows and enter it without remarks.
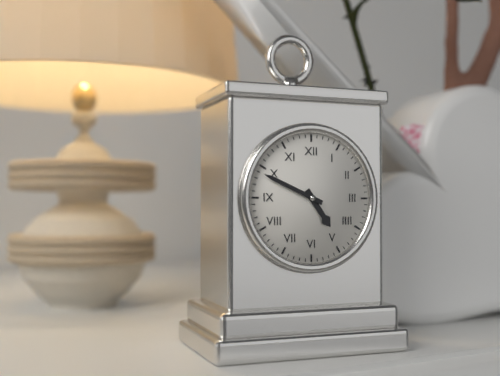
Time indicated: 4:49
